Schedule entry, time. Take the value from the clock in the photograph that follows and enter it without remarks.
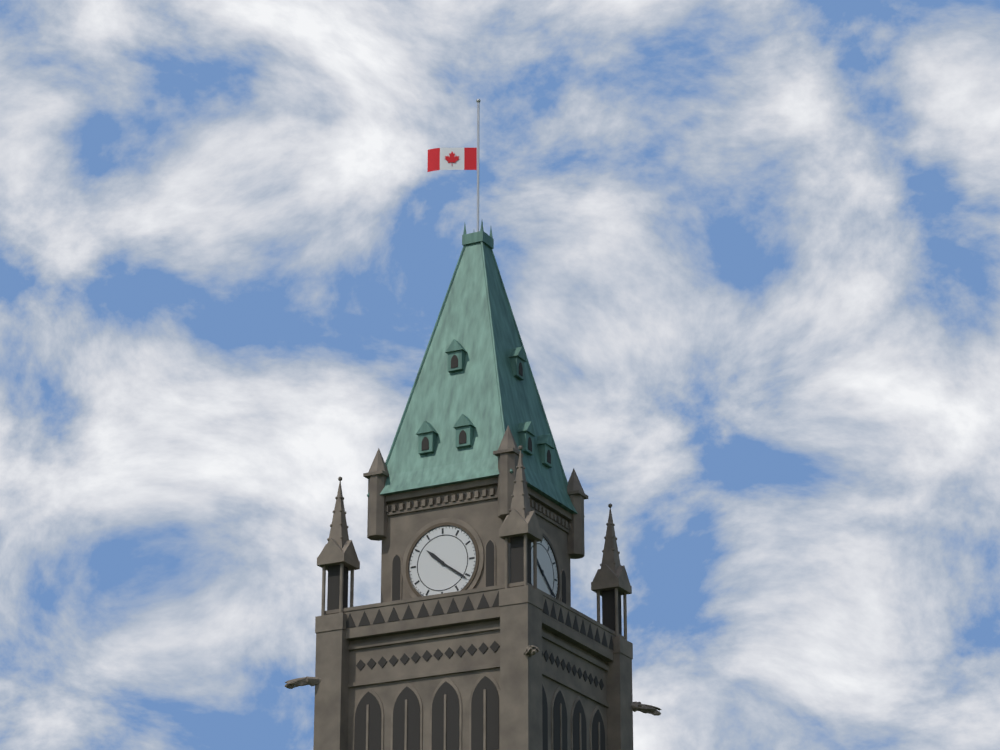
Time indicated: 10:21
